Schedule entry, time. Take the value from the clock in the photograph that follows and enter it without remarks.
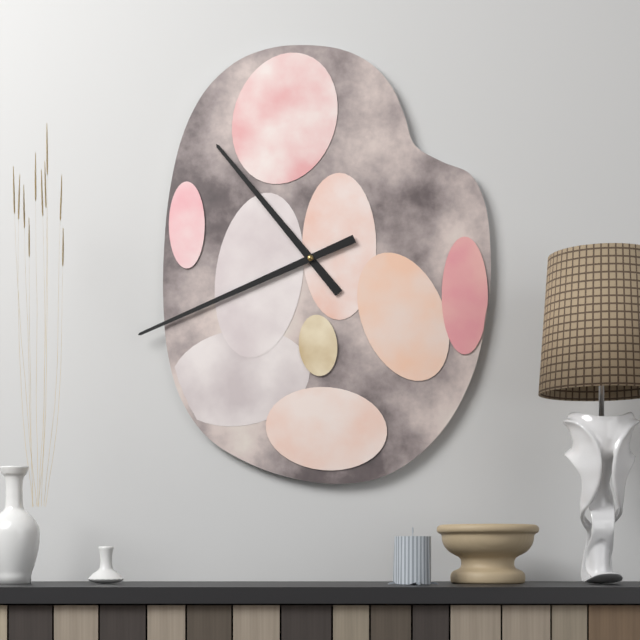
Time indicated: 10:41
